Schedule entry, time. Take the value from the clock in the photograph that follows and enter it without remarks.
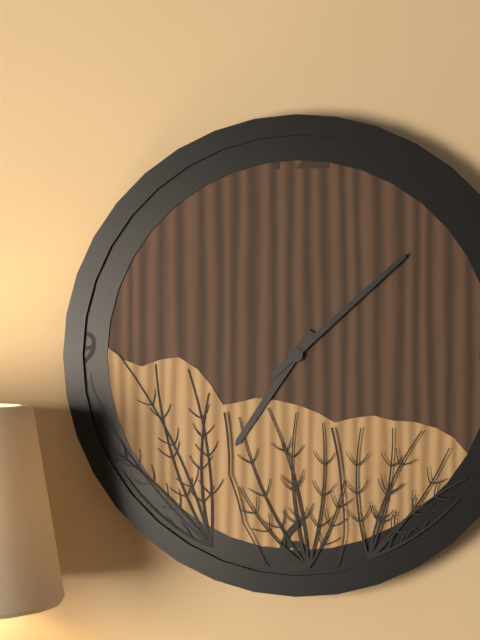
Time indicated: 7:08
